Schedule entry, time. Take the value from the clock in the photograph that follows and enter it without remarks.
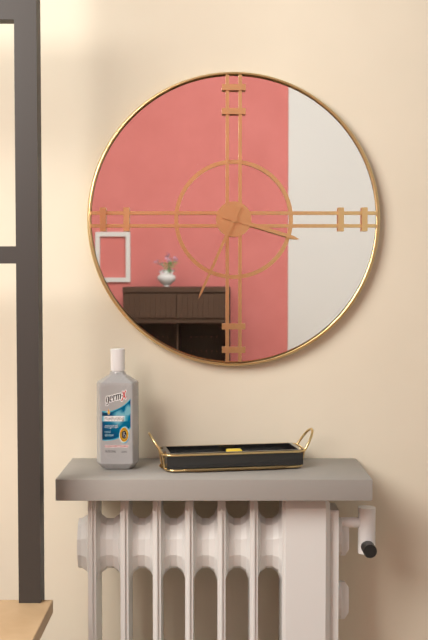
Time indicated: 3:34
